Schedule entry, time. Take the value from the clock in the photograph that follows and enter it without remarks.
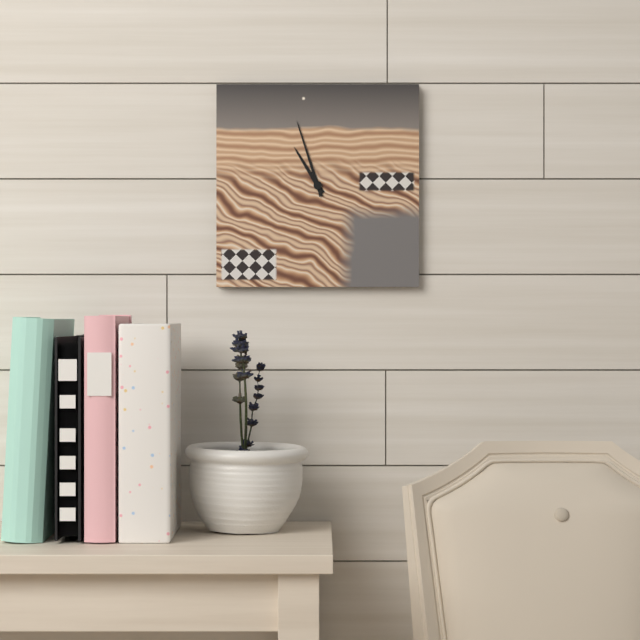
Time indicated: 10:57
